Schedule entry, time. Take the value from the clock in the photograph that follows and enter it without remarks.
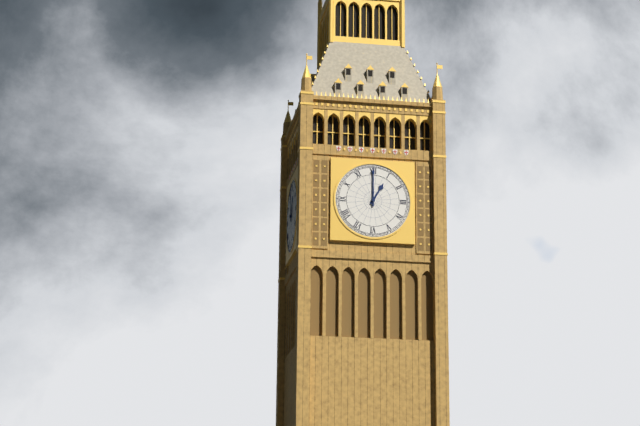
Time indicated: 1:00
